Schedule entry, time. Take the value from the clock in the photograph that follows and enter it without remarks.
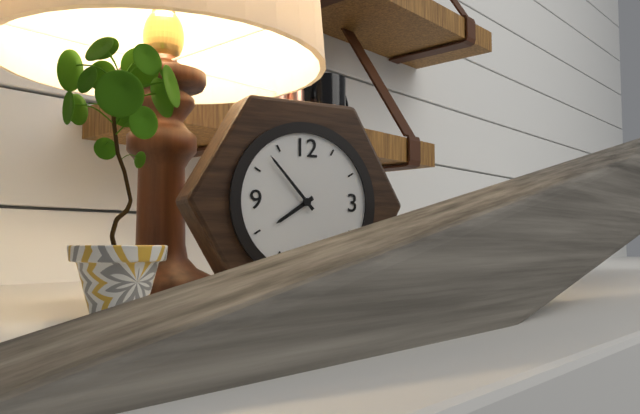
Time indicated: 7:53
